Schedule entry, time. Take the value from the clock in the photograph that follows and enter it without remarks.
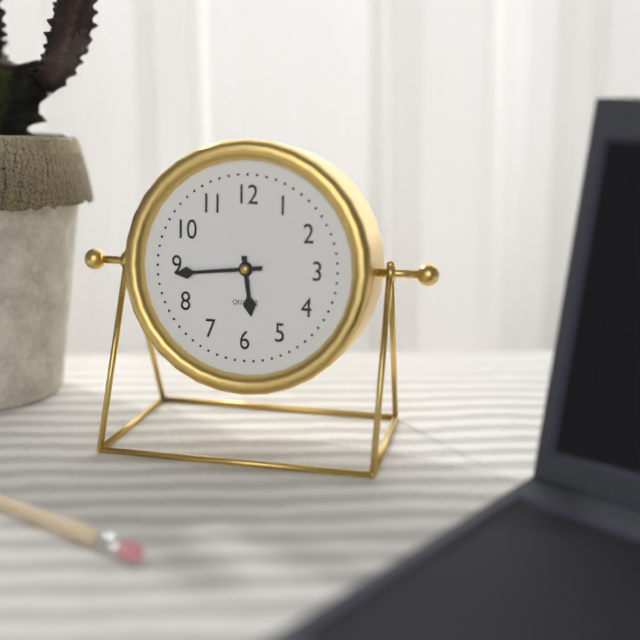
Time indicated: 5:44
